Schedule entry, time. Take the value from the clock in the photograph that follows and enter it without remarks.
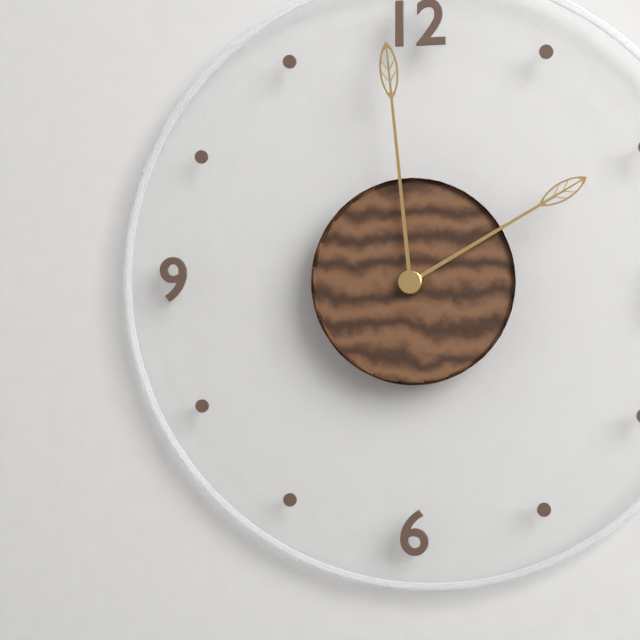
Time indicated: 1:59
